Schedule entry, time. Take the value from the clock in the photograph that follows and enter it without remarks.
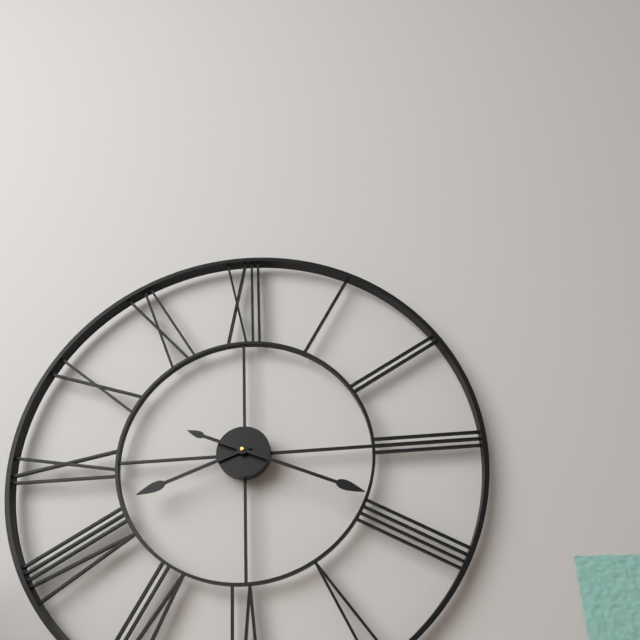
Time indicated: 8:19
